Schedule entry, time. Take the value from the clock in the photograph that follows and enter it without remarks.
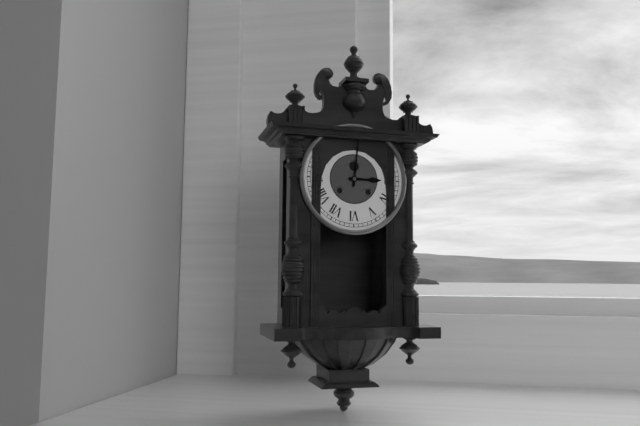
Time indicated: 3:01
